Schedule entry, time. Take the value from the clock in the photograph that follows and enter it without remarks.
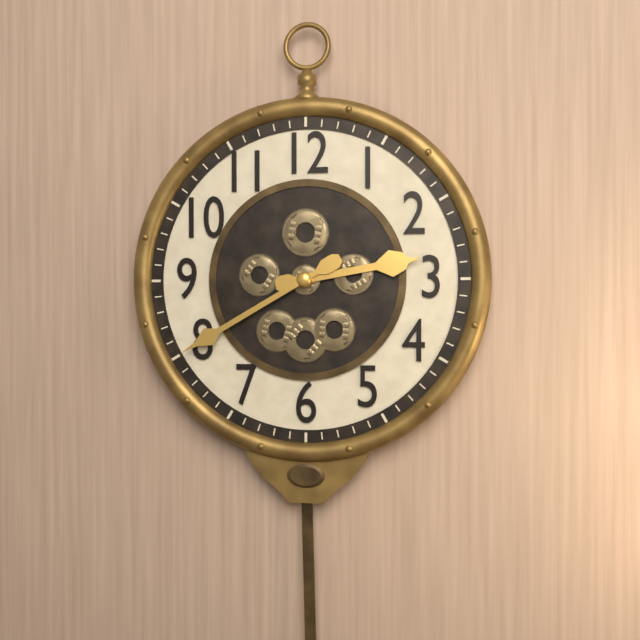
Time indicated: 2:40
